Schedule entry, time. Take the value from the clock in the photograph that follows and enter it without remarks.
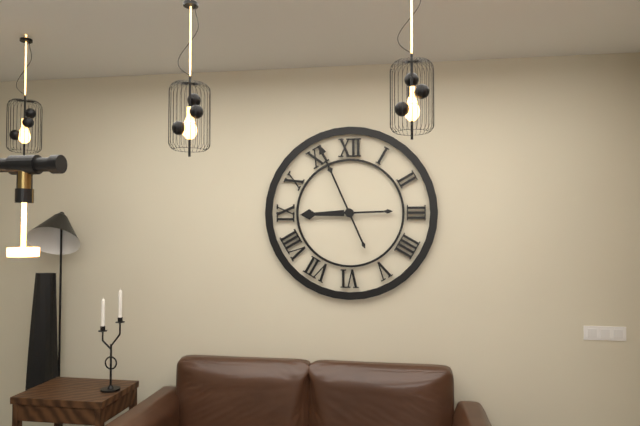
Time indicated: 8:56
